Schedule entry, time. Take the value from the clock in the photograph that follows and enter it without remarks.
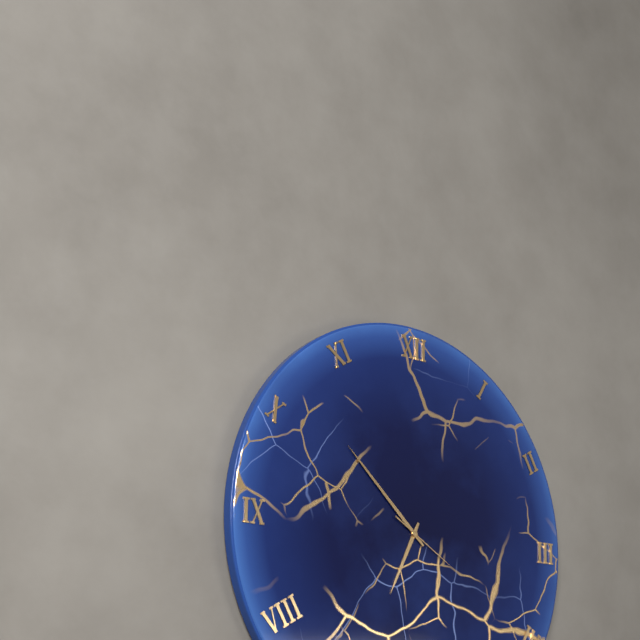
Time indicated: 6:52:20
